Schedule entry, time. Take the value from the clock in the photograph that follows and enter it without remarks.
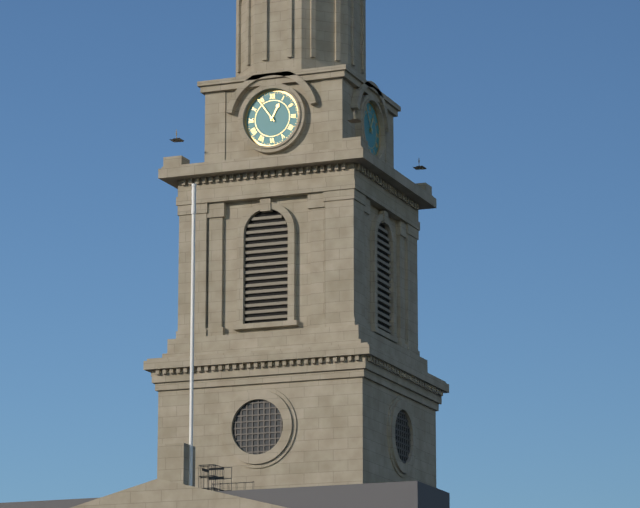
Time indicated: 12:54
